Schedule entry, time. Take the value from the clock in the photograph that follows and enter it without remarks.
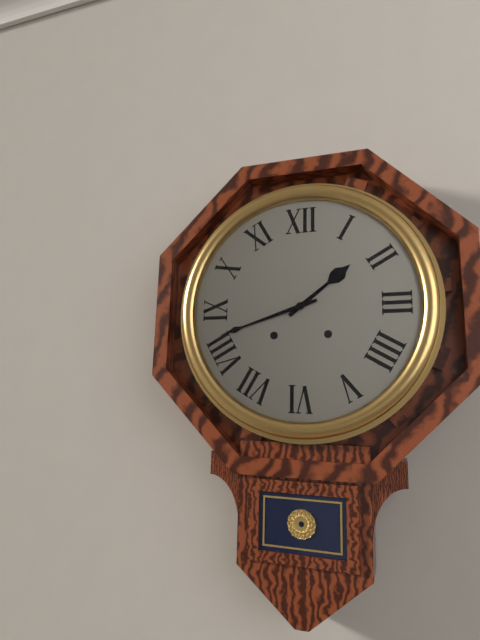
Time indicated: 1:42
